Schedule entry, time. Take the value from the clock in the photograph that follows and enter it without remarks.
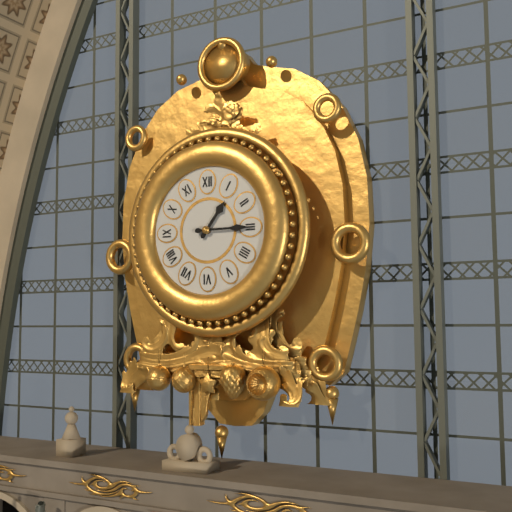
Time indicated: 1:15
